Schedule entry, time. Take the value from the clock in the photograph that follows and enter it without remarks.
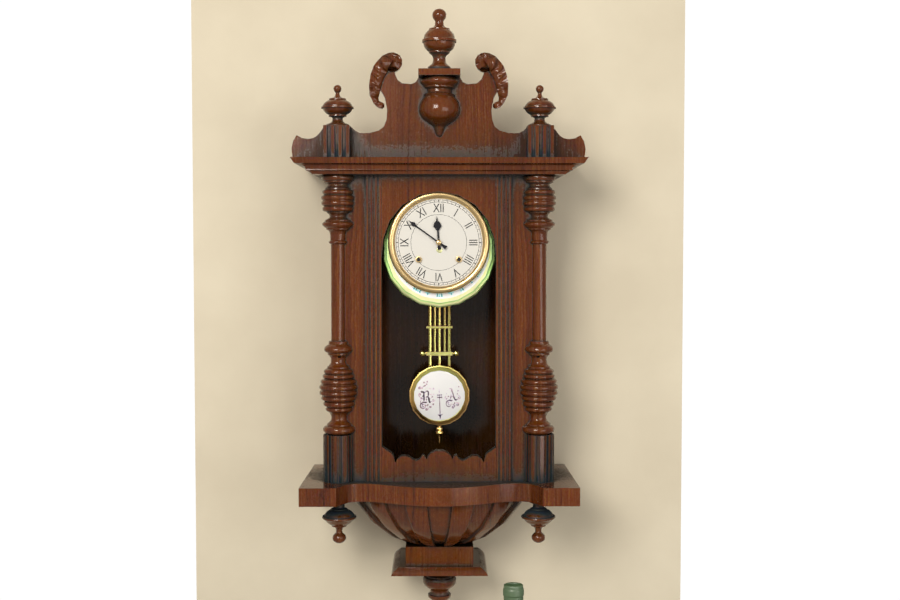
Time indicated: 11:51
